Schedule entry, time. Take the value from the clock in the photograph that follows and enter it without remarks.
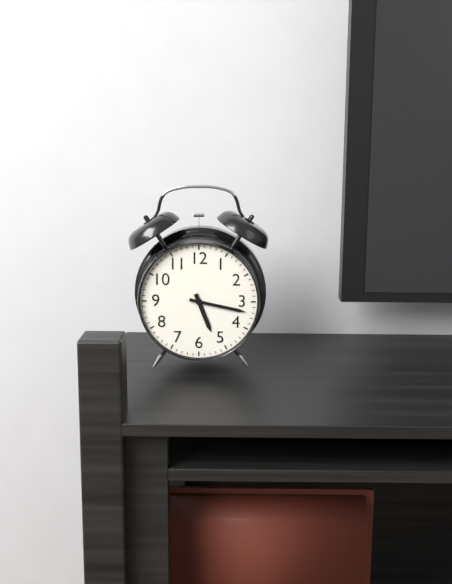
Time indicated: 5:17
